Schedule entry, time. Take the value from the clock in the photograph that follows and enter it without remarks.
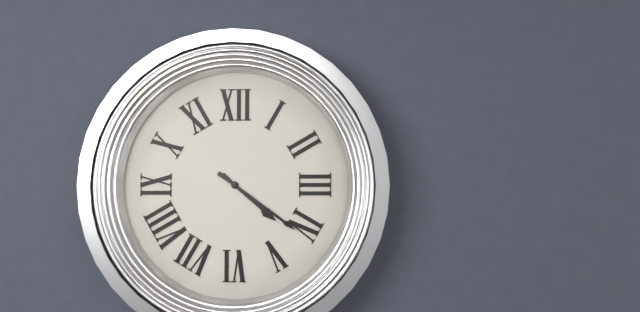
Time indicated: 4:21
